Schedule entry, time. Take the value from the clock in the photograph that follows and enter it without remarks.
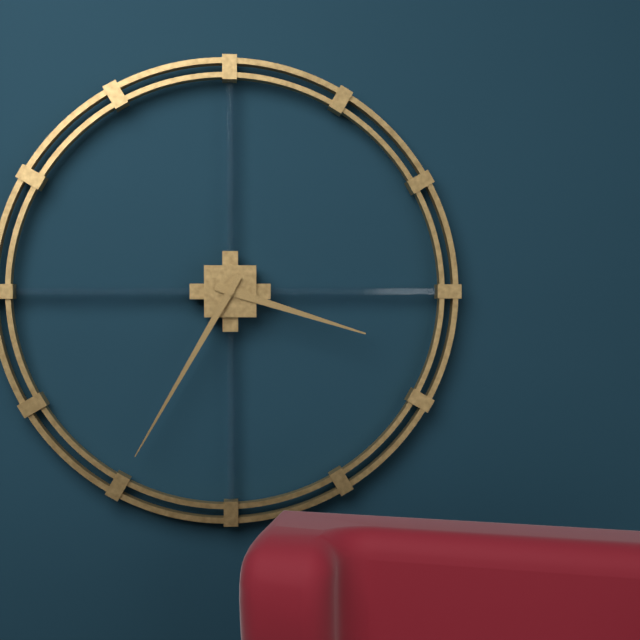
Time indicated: 3:35
